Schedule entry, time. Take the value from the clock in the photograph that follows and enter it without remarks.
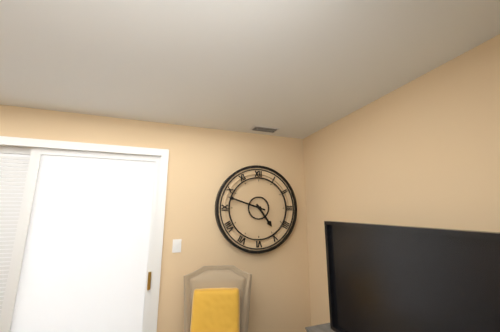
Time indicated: 4:48
